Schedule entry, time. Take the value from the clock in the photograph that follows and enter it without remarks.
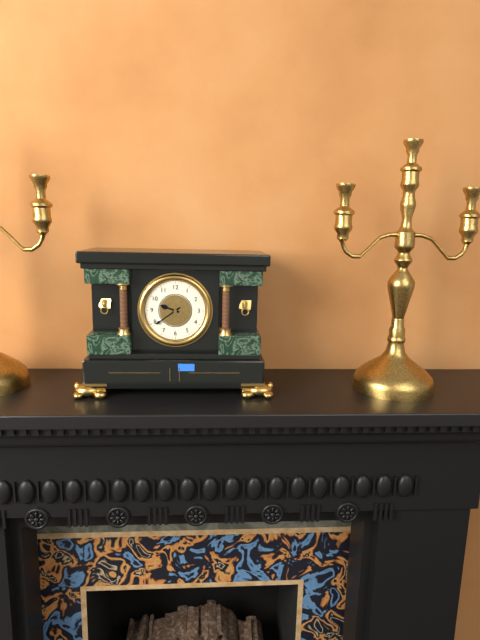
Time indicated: 9:39
